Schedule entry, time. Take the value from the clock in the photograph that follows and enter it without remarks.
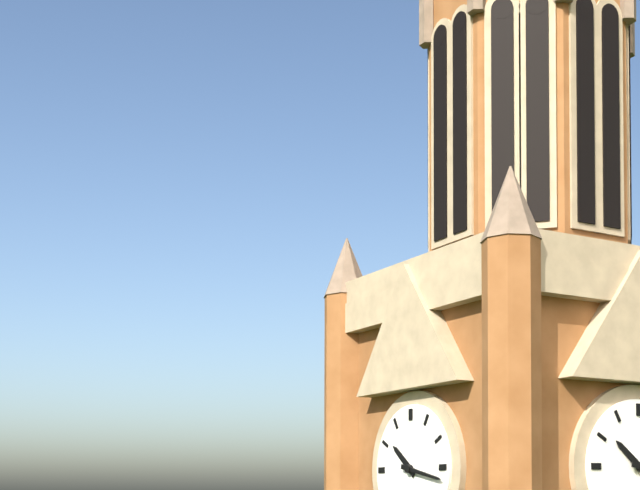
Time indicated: 10:17
